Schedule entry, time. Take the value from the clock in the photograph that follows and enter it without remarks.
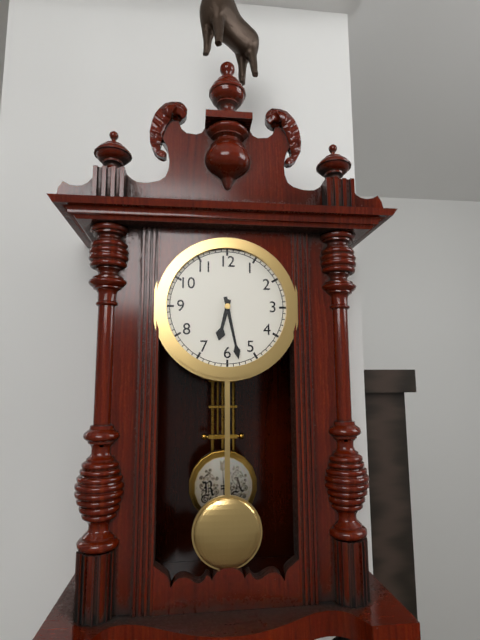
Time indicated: 6:28
